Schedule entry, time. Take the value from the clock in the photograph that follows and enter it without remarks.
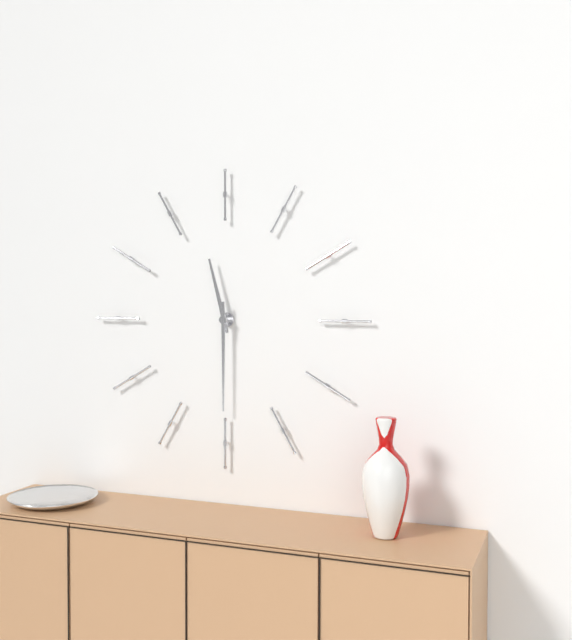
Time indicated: 11:30
